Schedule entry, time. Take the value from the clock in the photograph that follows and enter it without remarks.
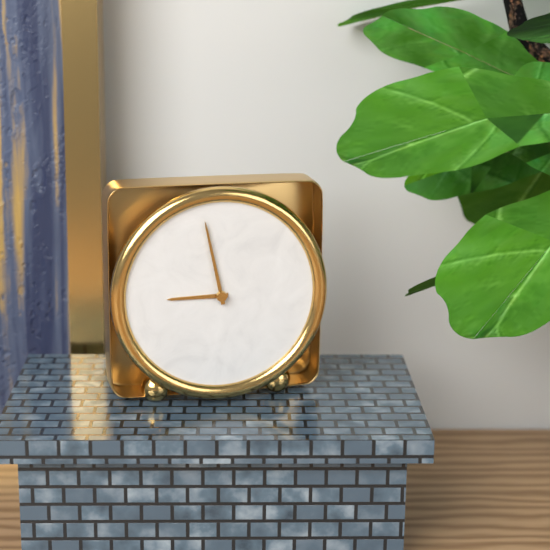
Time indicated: 8:58
